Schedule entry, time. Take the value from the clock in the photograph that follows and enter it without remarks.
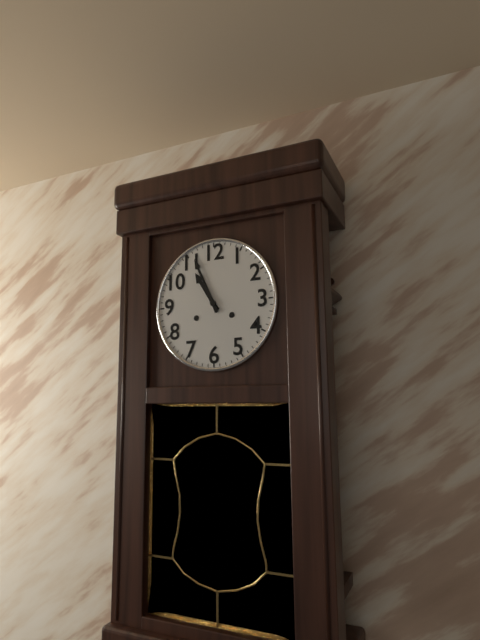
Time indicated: 10:56
